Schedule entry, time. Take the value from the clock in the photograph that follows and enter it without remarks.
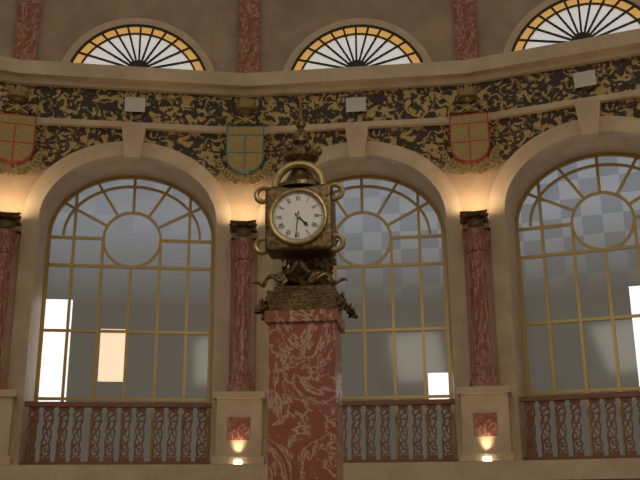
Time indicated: 4:31
